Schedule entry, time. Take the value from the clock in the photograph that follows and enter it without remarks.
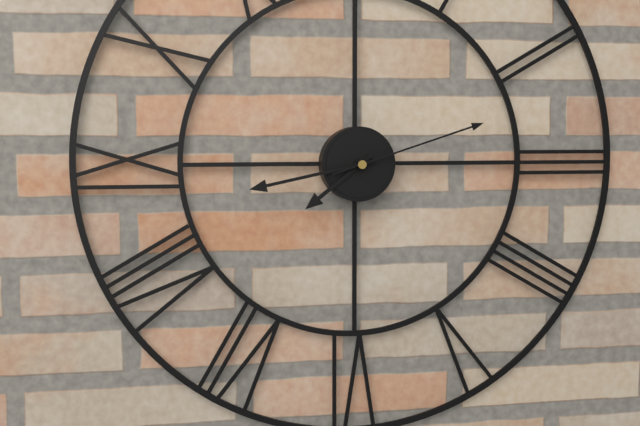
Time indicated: 7:43:12
